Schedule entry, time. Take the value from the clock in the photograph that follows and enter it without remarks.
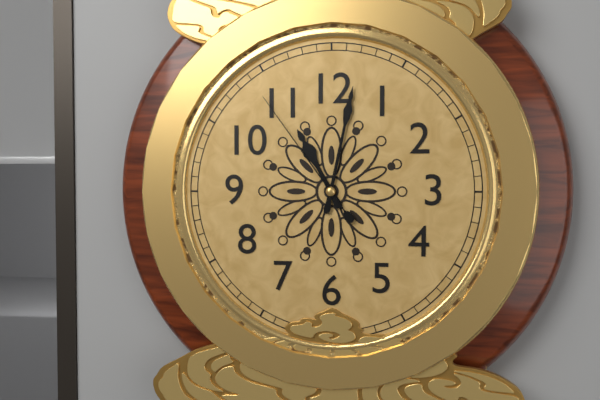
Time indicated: 11:02:54
